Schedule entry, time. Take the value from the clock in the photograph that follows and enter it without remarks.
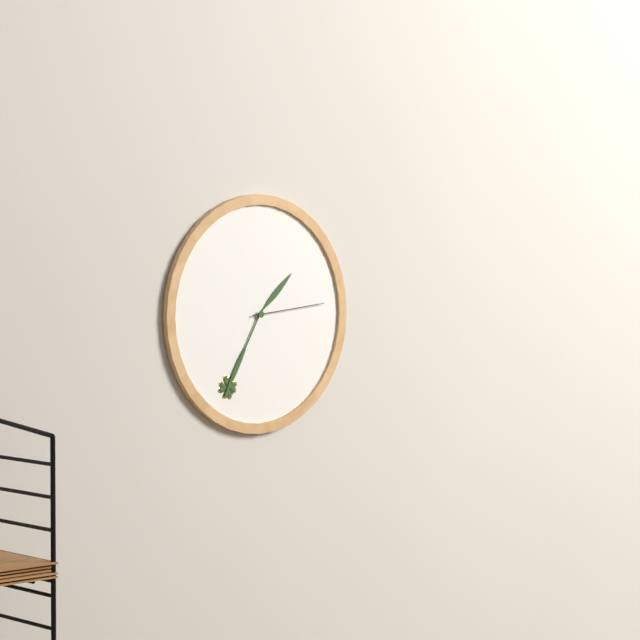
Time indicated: 1:35:14
